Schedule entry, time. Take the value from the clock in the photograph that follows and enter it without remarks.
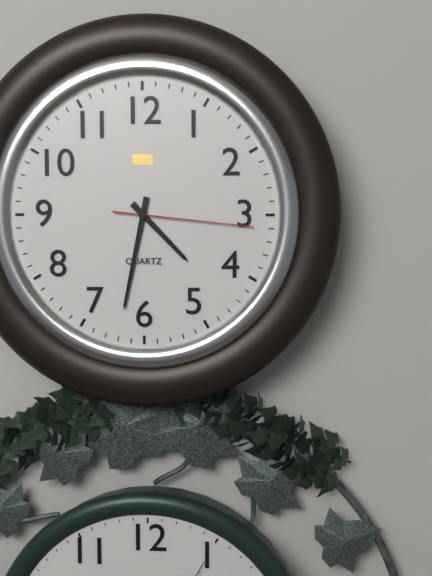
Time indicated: 4:32:16
